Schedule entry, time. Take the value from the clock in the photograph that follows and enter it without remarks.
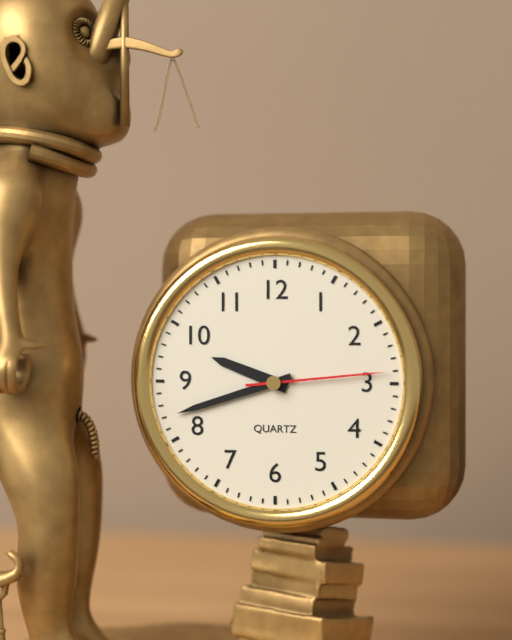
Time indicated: 9:42:14
